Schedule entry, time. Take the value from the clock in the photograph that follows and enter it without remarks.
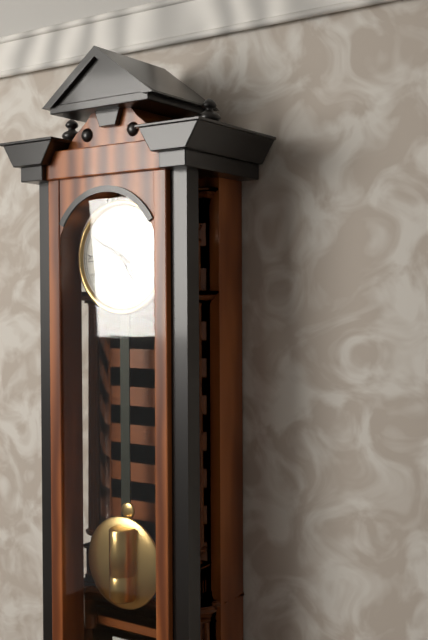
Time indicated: 4:50
